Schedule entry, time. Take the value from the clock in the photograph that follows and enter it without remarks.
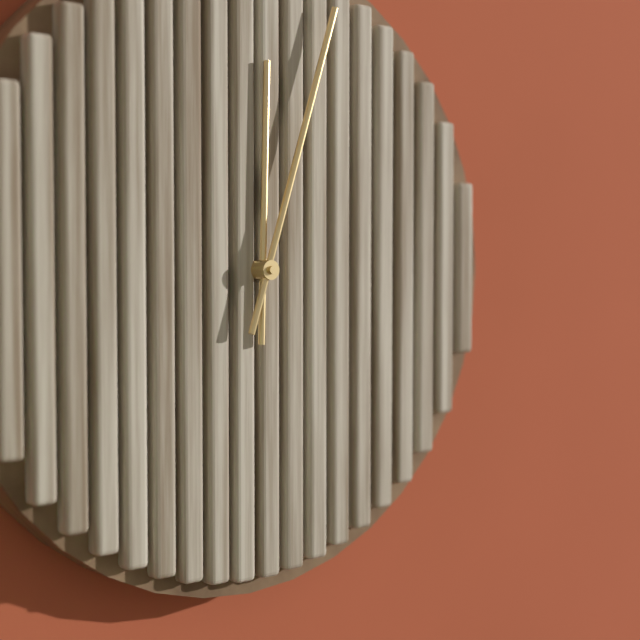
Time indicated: 12:03
